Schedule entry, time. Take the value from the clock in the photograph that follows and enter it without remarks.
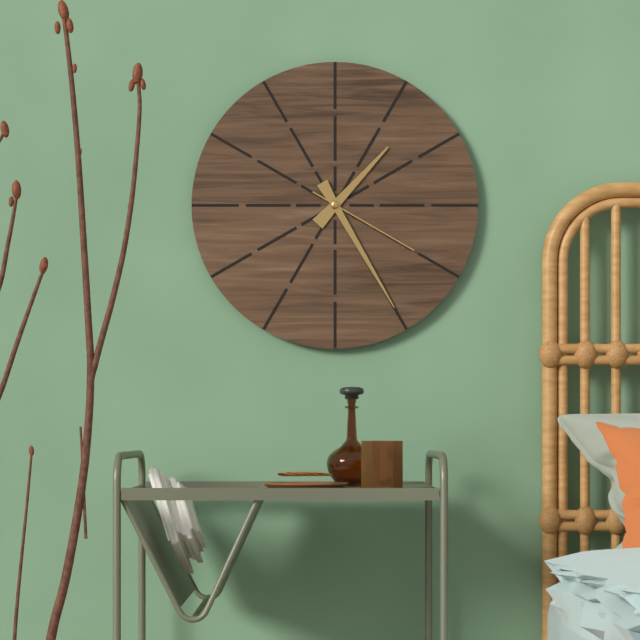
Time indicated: 1:25:20
